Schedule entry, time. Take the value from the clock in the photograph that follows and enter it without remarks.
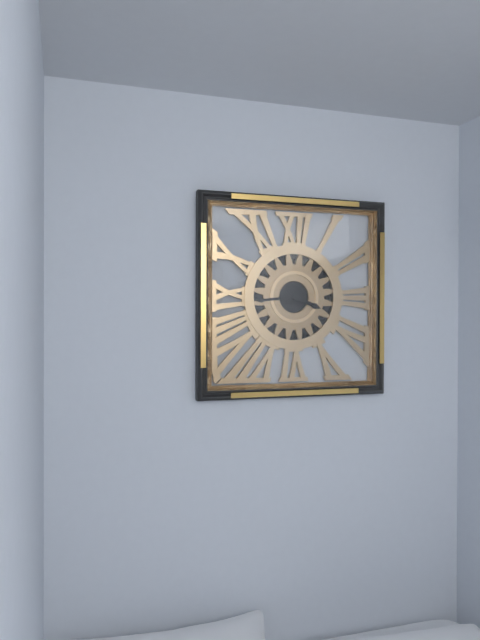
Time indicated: 3:44
